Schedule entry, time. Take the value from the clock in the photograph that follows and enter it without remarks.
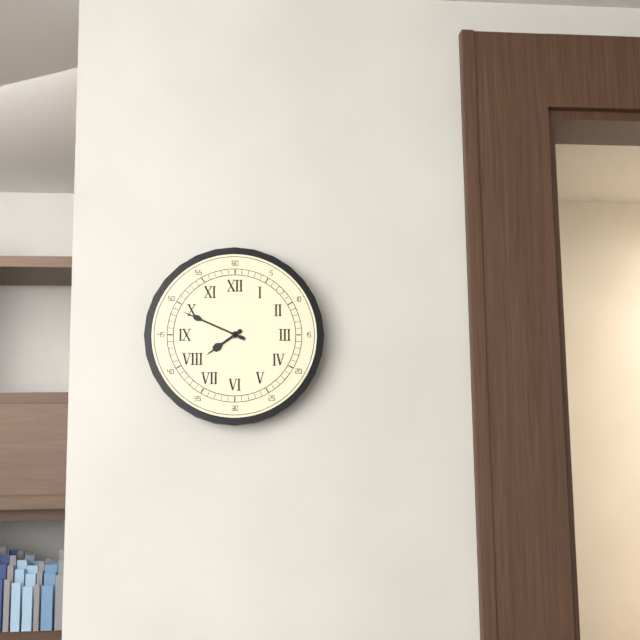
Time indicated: 7:49
